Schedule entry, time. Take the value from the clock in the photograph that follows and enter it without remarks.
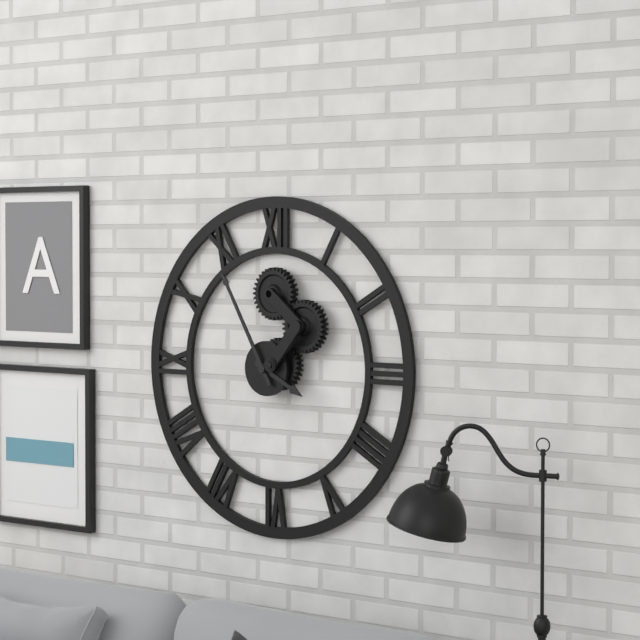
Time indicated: 3:55
